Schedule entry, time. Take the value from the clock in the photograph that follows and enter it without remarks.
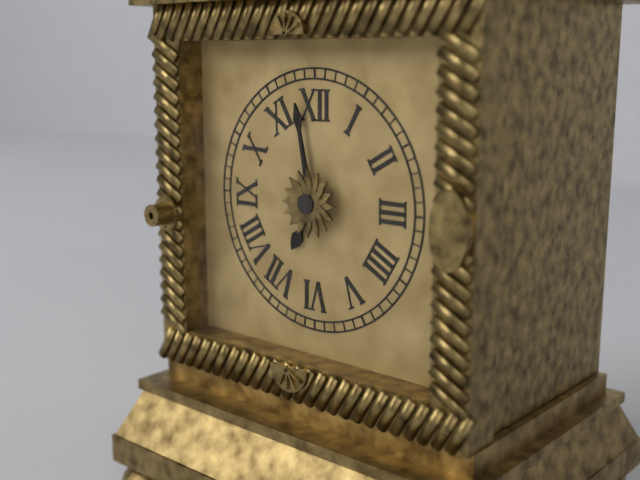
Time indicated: 6:58
